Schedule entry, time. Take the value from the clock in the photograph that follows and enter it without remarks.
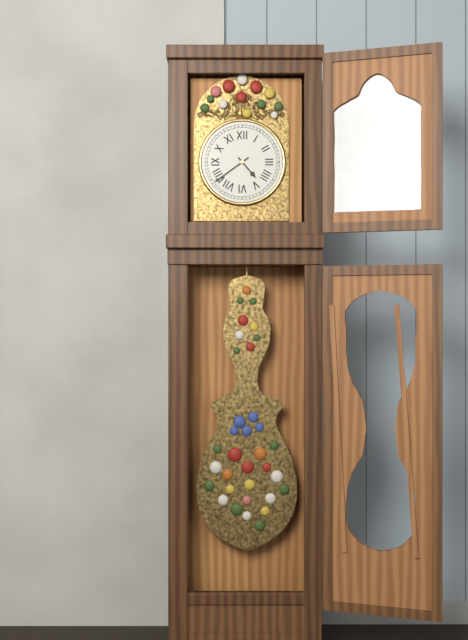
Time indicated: 4:39
